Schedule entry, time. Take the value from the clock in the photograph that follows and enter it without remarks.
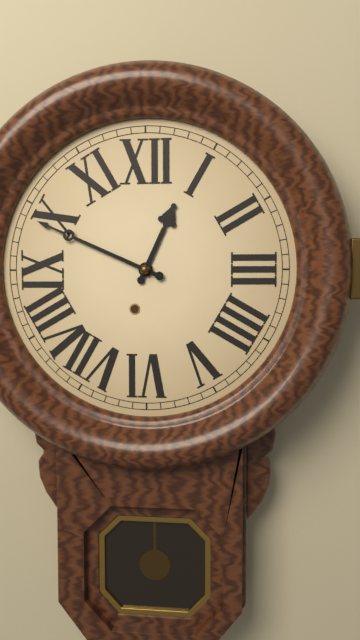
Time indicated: 12:49
